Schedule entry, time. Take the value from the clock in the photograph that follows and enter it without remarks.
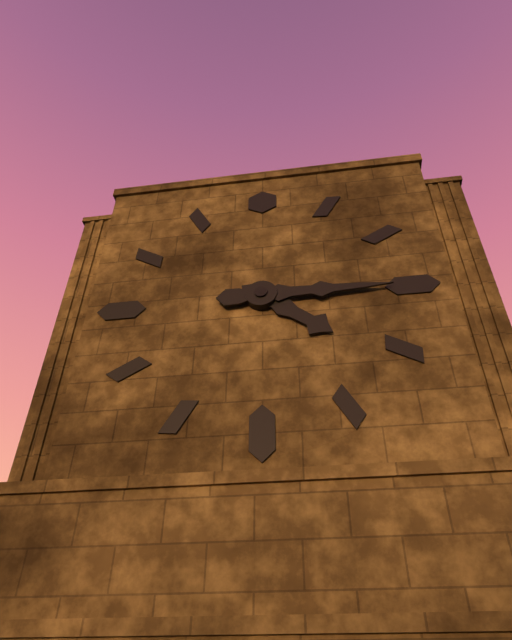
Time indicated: 4:15
